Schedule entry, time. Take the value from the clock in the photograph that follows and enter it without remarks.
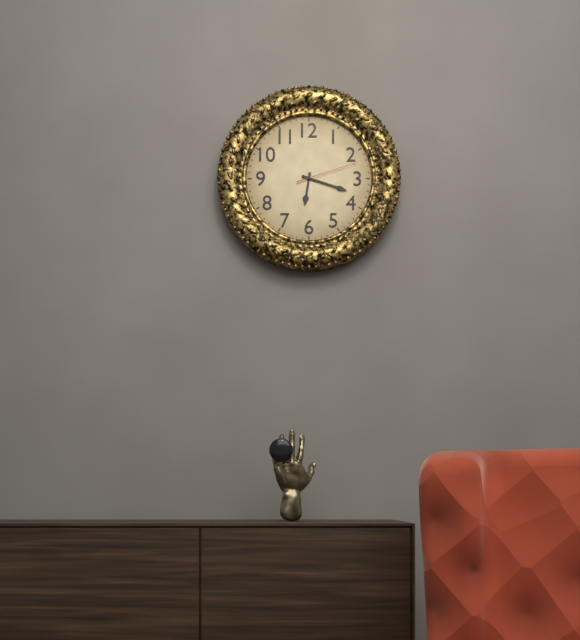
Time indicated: 6:18:12
